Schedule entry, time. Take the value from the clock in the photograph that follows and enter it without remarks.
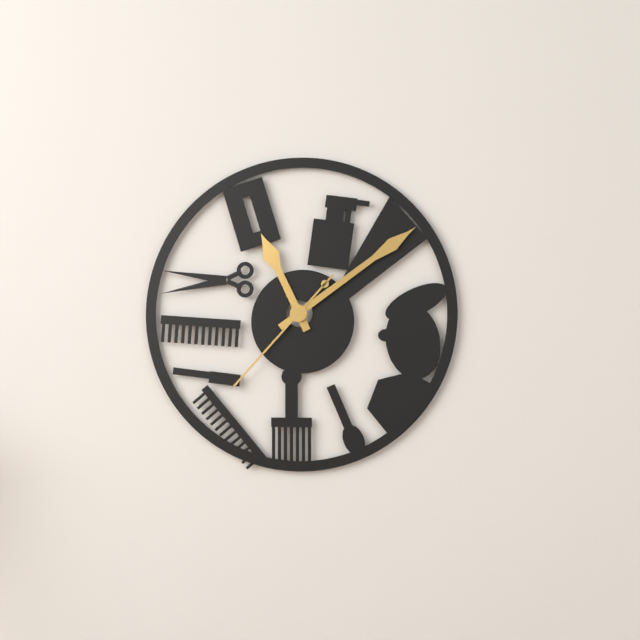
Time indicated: 11:09:37
